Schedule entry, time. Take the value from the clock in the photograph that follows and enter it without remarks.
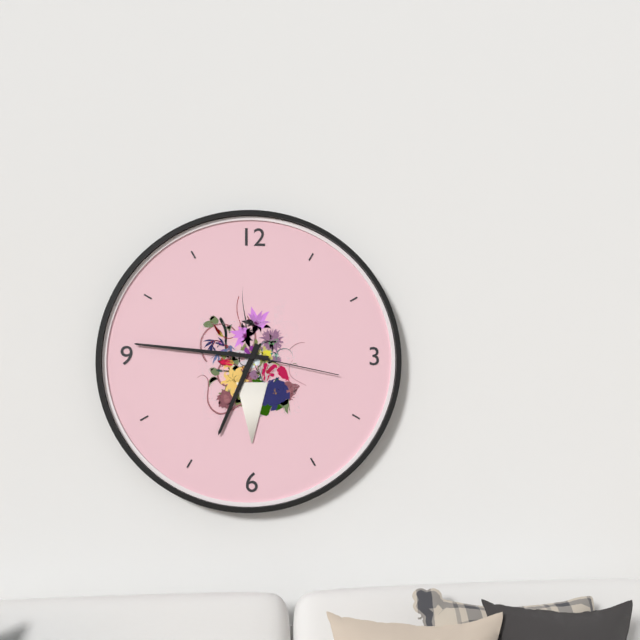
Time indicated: 6:46:17
